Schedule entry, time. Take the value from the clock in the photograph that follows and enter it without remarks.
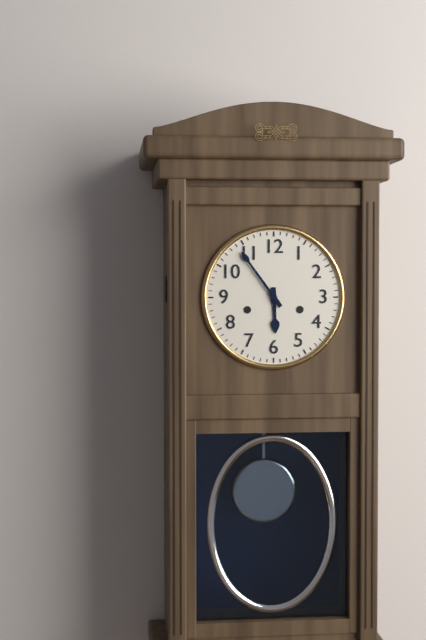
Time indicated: 5:54
